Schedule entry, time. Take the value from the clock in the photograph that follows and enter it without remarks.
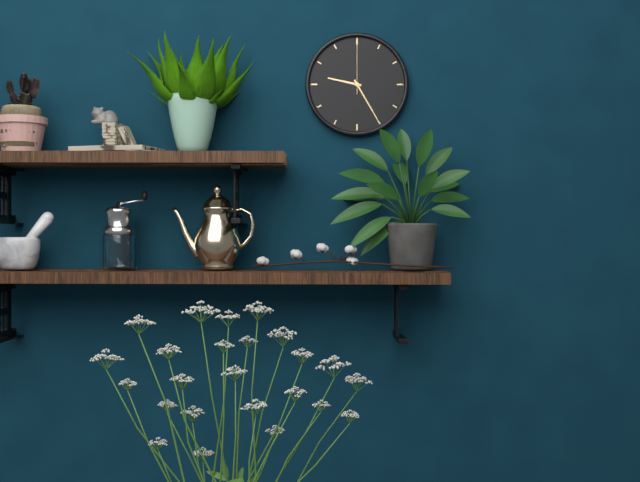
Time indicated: 9:25:00
